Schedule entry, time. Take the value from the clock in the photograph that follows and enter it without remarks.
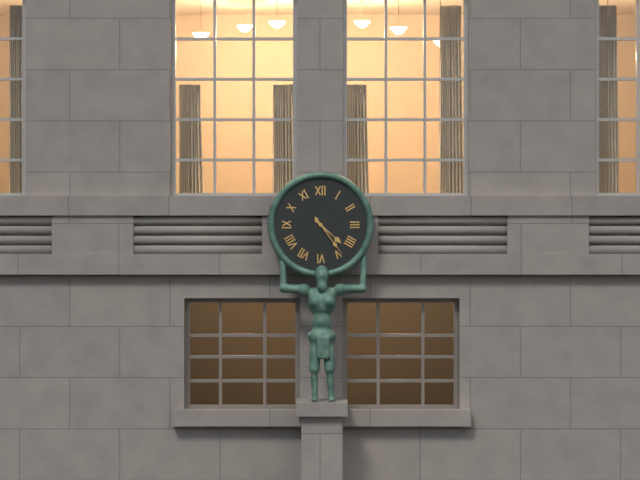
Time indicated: 4:24
